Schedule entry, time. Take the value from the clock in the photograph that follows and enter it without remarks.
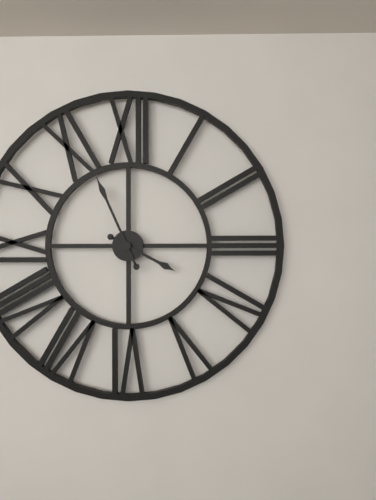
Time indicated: 3:56
